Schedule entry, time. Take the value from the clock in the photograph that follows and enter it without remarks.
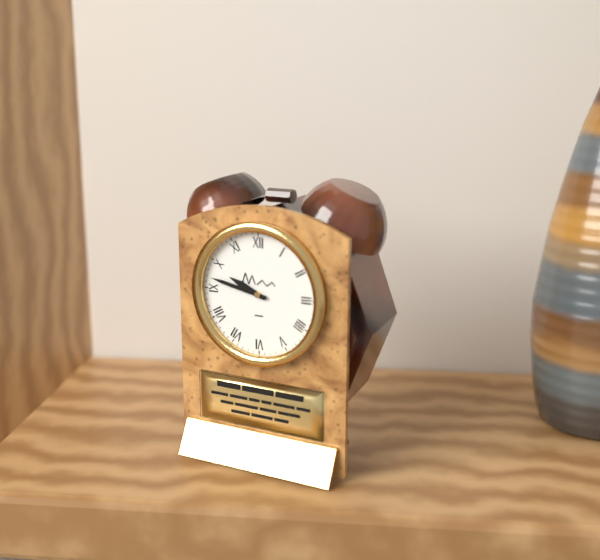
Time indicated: 9:47
